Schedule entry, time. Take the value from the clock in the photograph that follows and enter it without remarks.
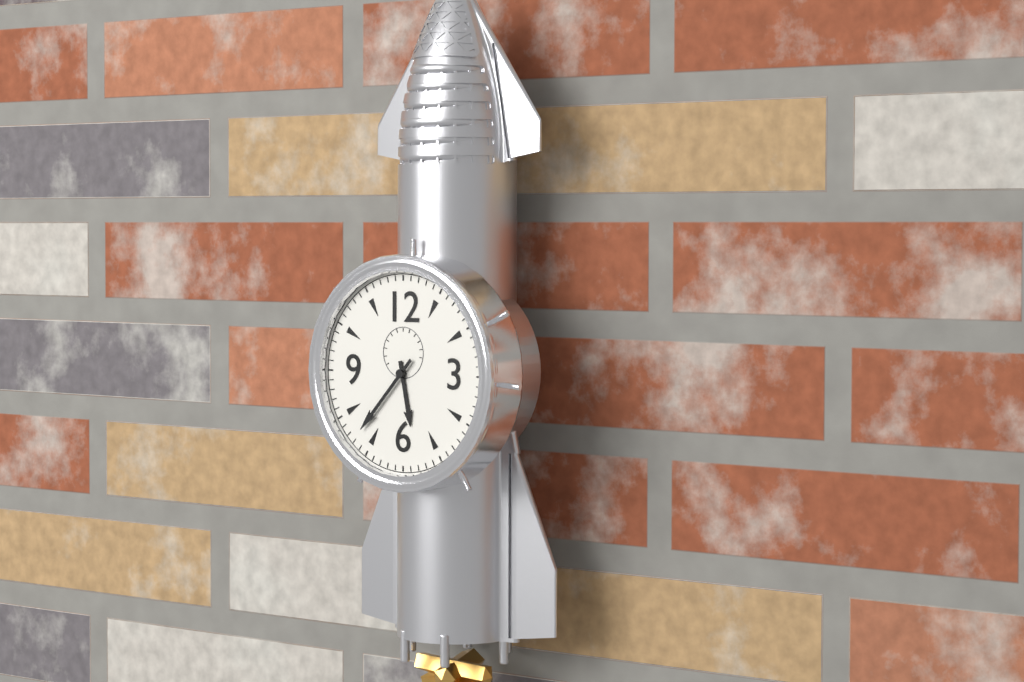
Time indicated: 5:37
